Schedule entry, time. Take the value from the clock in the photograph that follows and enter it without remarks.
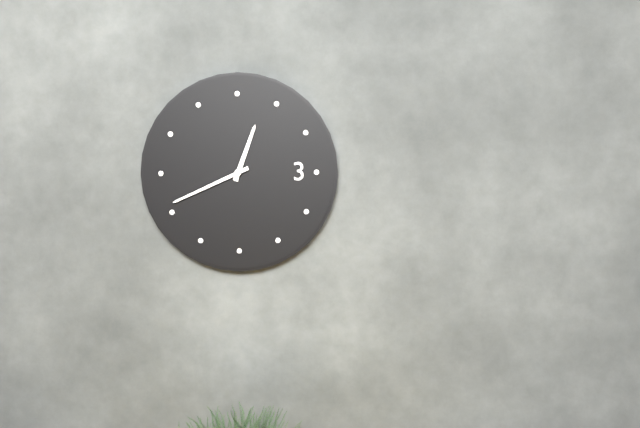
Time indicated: 12:41
